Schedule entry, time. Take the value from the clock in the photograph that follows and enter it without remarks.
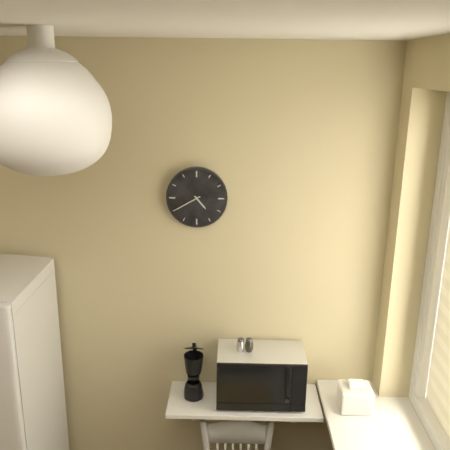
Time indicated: 4:40
